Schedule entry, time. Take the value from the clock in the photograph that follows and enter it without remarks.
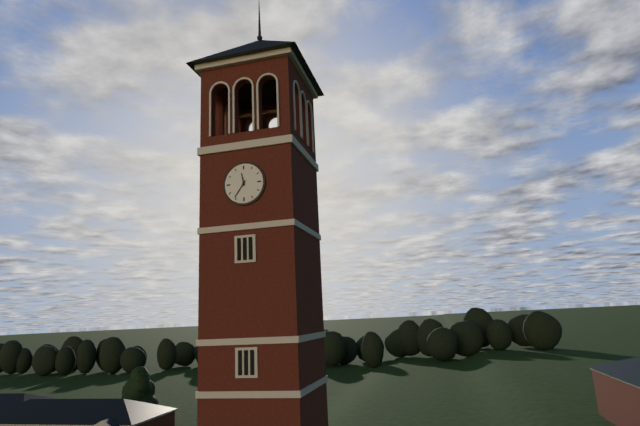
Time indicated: 11:36
